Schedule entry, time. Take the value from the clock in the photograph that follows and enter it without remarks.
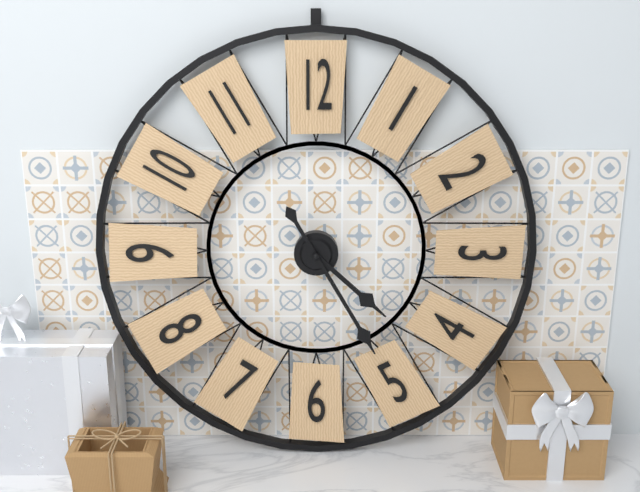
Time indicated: 4:25
